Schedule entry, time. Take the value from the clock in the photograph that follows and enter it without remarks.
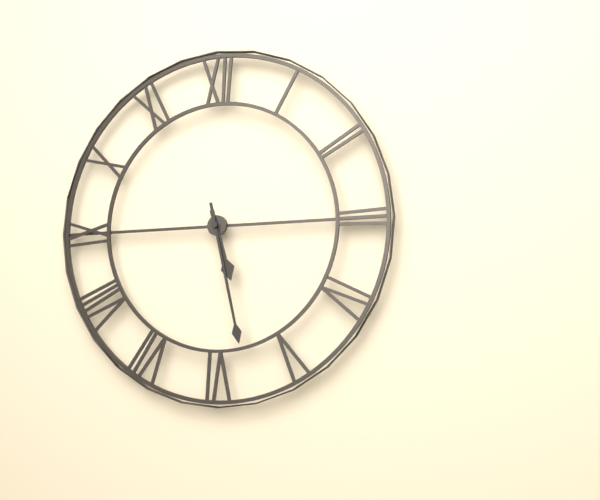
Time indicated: 5:28
